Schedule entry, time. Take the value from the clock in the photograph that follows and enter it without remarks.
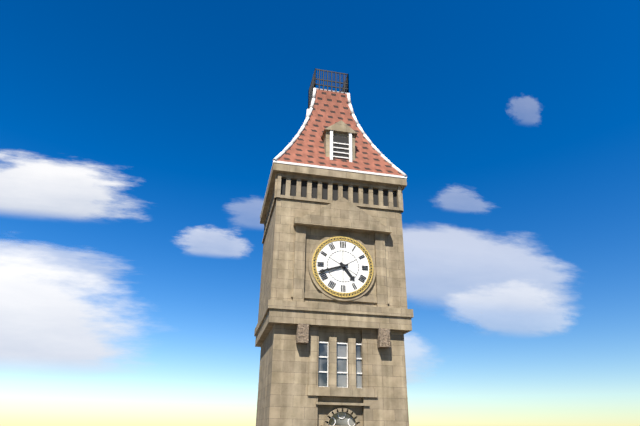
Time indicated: 4:42
